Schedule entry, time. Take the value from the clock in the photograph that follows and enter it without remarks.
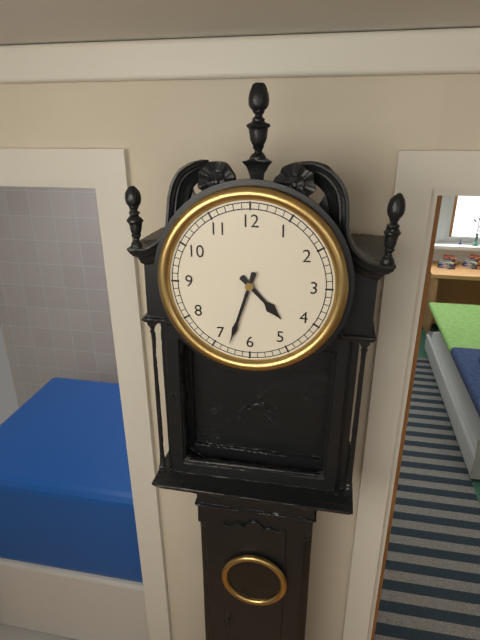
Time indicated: 4:33
